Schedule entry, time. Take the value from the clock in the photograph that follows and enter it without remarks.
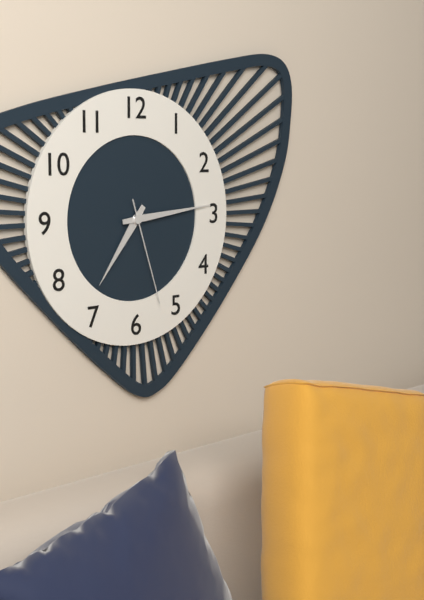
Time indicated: 7:14:27
